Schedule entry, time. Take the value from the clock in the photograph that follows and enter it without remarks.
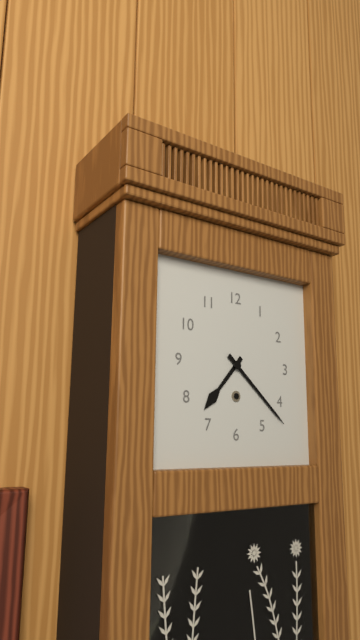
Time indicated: 7:22
